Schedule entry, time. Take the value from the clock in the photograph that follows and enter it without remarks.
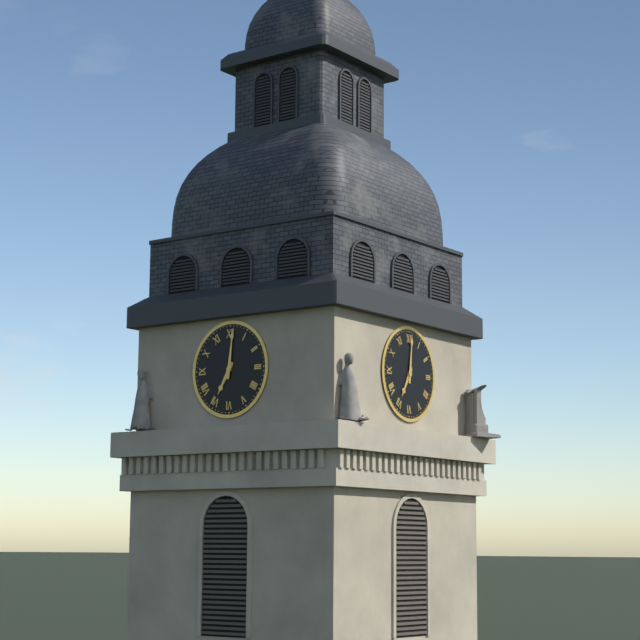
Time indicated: 7:01
